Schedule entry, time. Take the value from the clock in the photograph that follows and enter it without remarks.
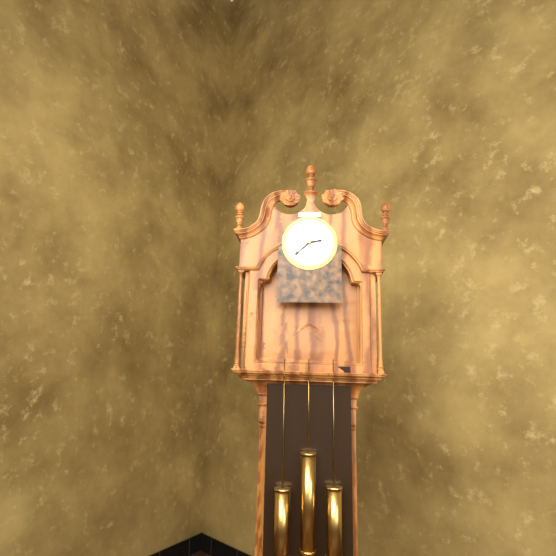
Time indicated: 2:38
